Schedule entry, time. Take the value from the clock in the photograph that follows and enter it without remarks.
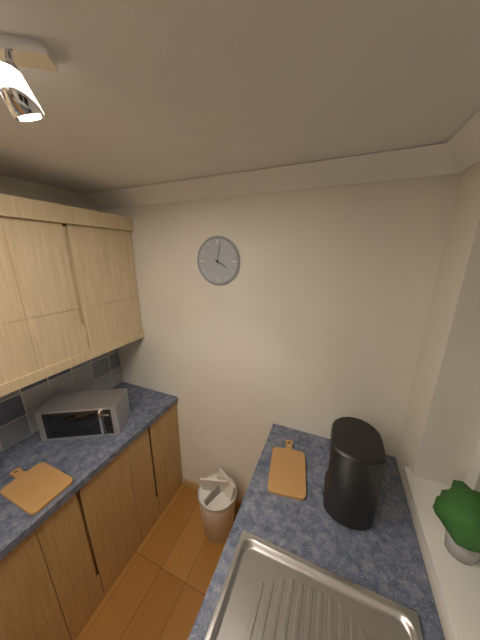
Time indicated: 4:02
